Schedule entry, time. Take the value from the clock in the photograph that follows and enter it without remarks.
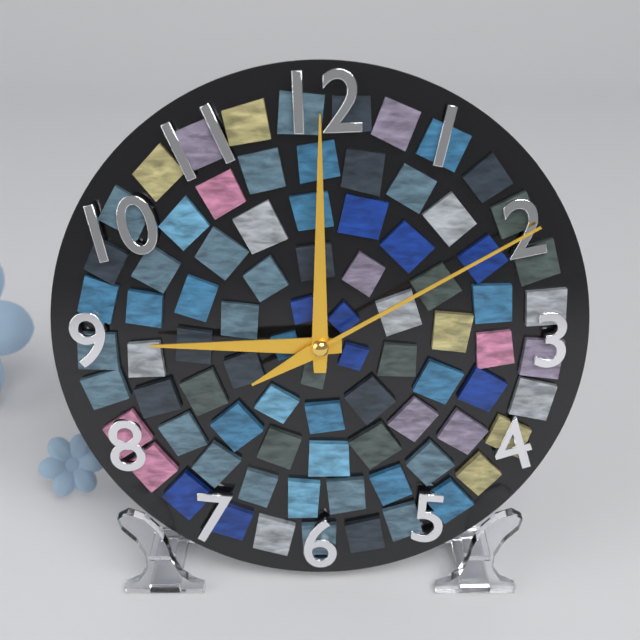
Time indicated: 9:00:10
